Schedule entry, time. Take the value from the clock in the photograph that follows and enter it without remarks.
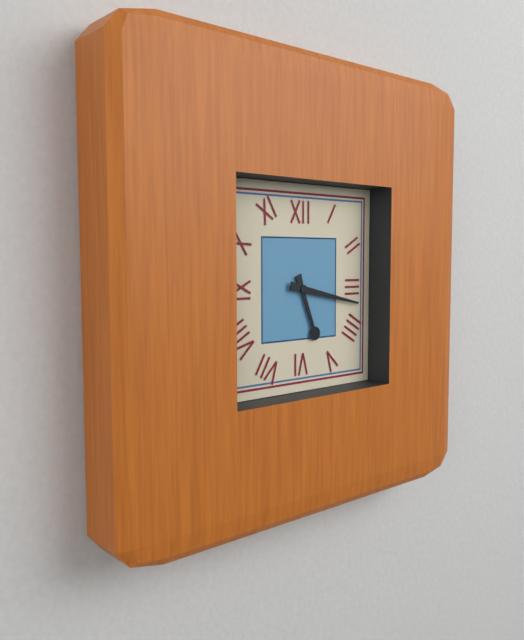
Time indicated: 5:17
